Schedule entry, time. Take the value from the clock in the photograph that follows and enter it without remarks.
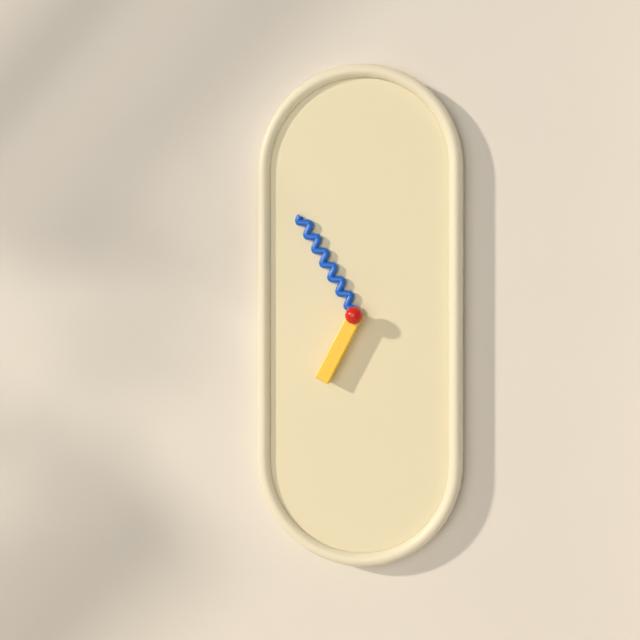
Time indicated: 6:55
